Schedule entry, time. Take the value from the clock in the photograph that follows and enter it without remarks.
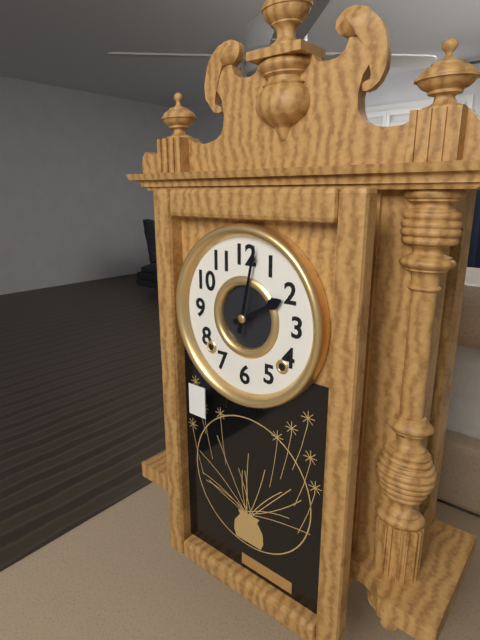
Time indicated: 2:02
